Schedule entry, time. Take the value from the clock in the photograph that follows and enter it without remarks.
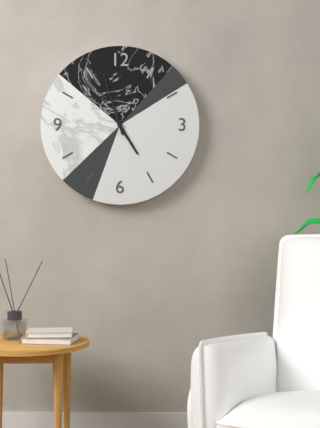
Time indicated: 4:57
